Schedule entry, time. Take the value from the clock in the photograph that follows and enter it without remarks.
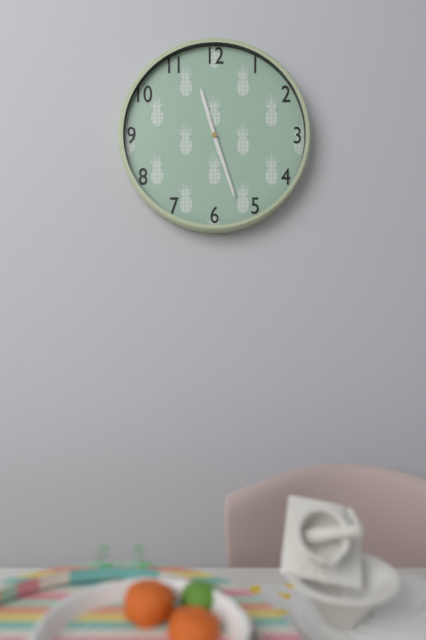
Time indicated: 11:27
